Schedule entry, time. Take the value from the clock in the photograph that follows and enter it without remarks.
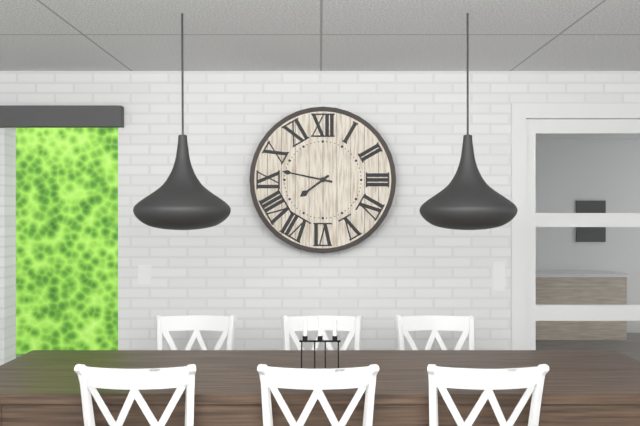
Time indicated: 7:47
